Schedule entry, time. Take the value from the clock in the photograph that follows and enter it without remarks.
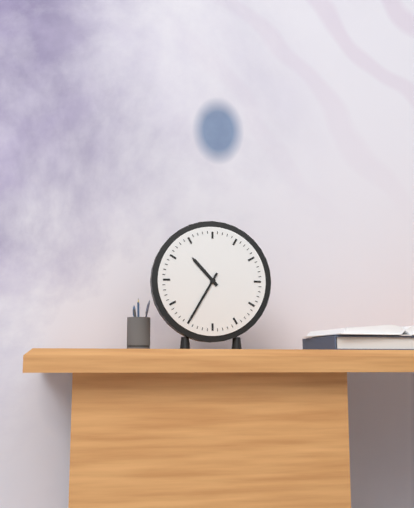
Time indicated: 10:35
